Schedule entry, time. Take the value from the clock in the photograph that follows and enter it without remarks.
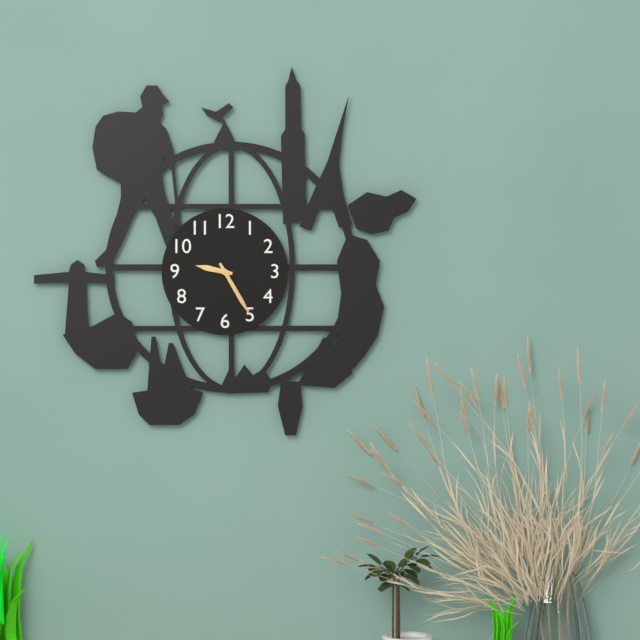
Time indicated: 9:25
